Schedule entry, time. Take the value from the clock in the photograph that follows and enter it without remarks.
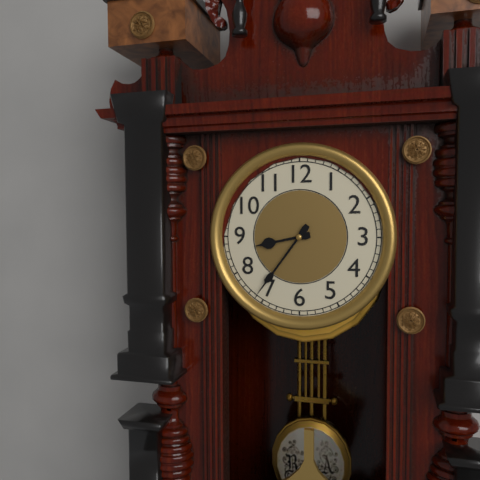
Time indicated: 8:36
